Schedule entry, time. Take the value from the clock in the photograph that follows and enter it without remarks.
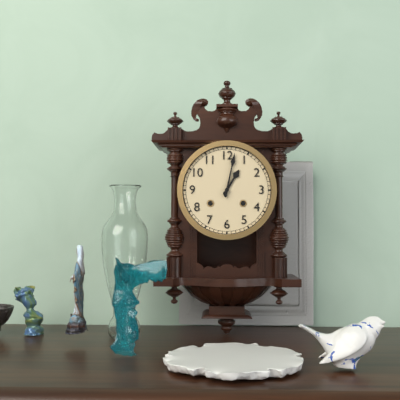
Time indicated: 1:02
